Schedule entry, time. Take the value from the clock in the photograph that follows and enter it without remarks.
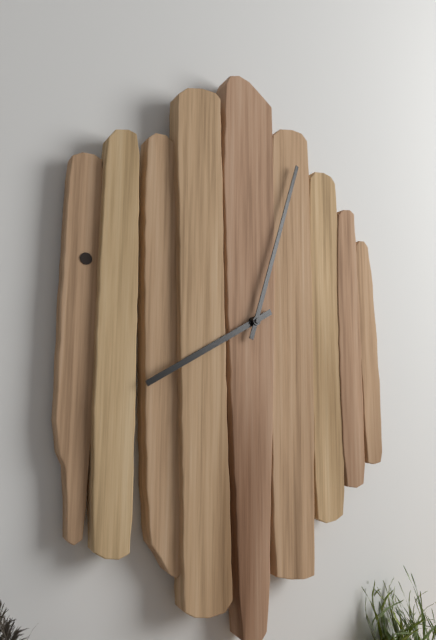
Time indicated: 8:03
